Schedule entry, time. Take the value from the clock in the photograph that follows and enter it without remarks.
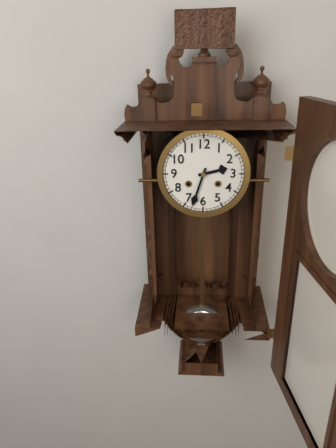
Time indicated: 2:33
